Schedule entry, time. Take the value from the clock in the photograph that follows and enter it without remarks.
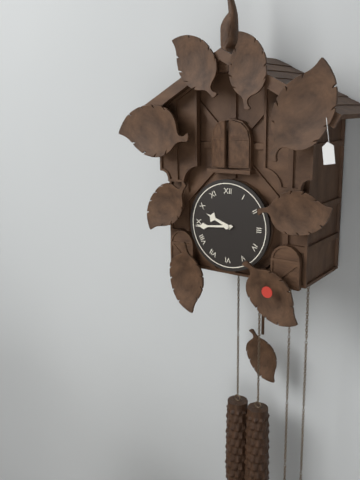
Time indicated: 9:44
